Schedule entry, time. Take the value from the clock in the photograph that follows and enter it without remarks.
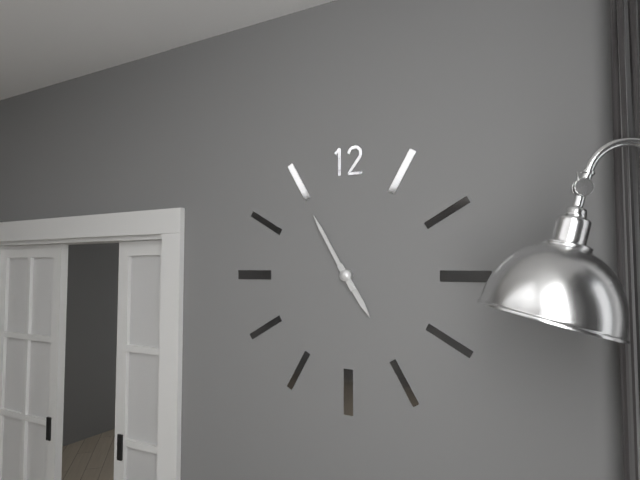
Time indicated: 4:55
